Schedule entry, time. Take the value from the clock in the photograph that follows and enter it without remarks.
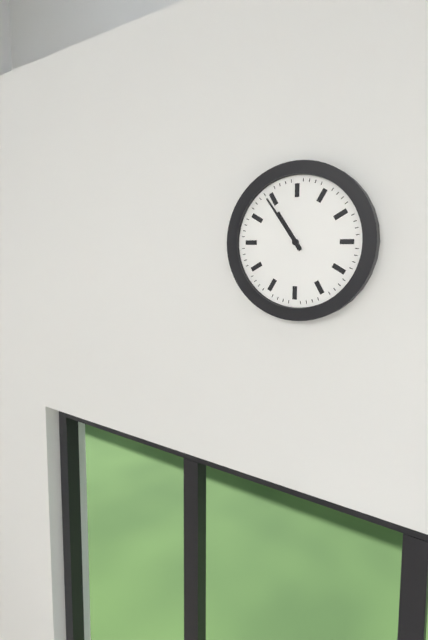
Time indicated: 10:54
